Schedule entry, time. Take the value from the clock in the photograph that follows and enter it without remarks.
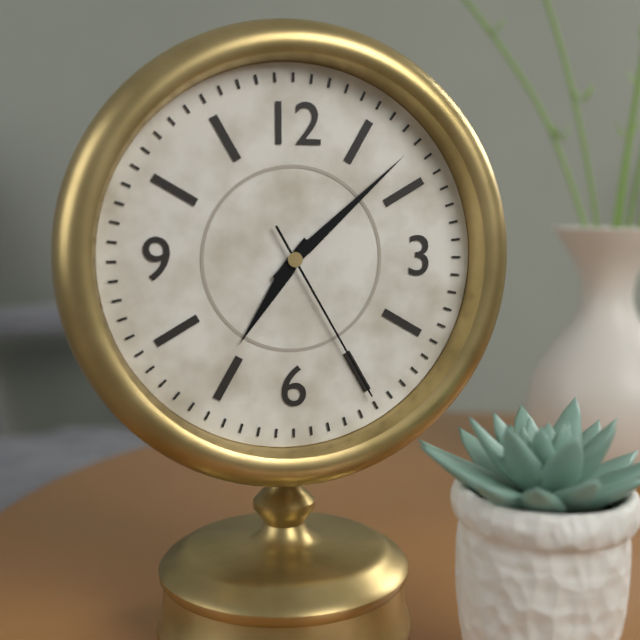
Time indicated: 7:08:25
